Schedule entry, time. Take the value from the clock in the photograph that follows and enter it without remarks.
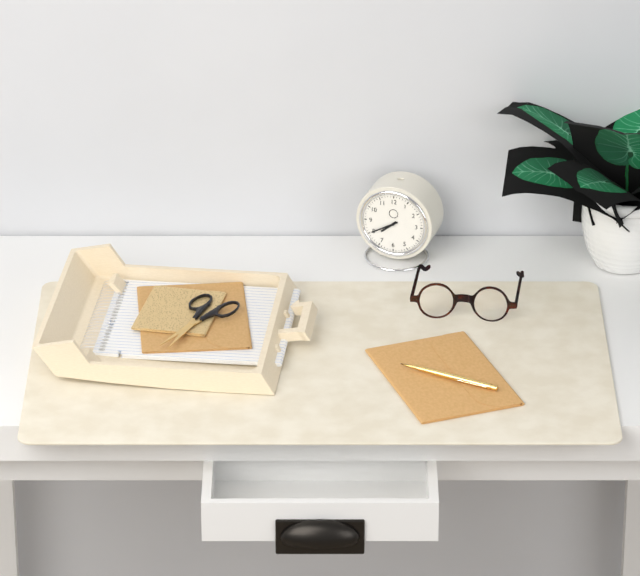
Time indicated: 7:40
